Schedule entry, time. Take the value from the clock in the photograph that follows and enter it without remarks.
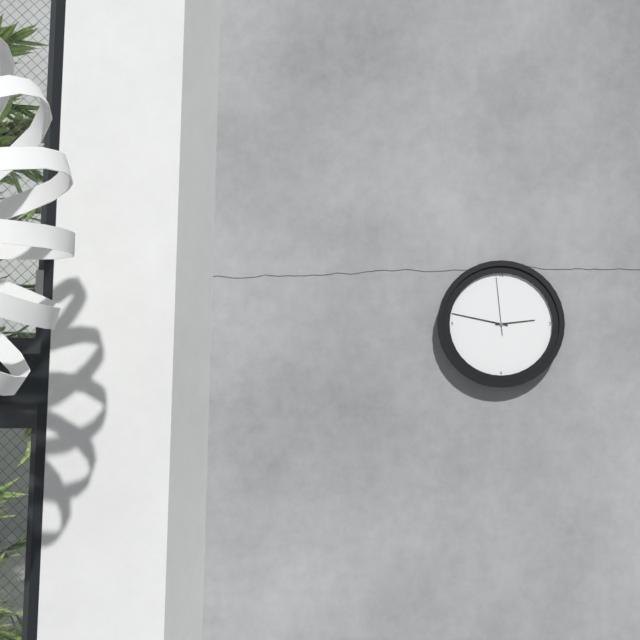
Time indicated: 2:47:59
